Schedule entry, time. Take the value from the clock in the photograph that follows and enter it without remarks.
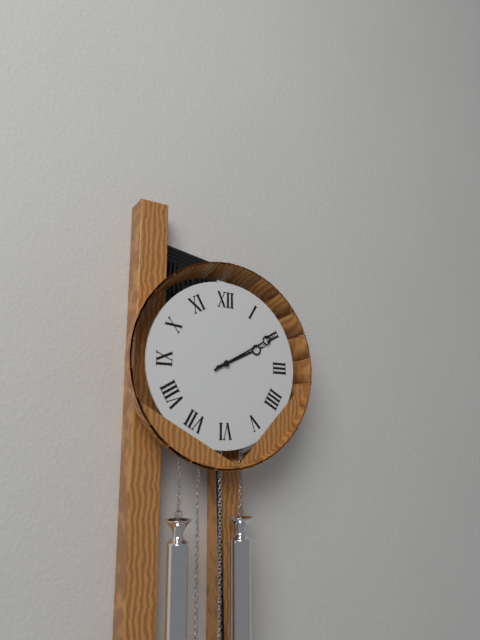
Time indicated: 2:10
